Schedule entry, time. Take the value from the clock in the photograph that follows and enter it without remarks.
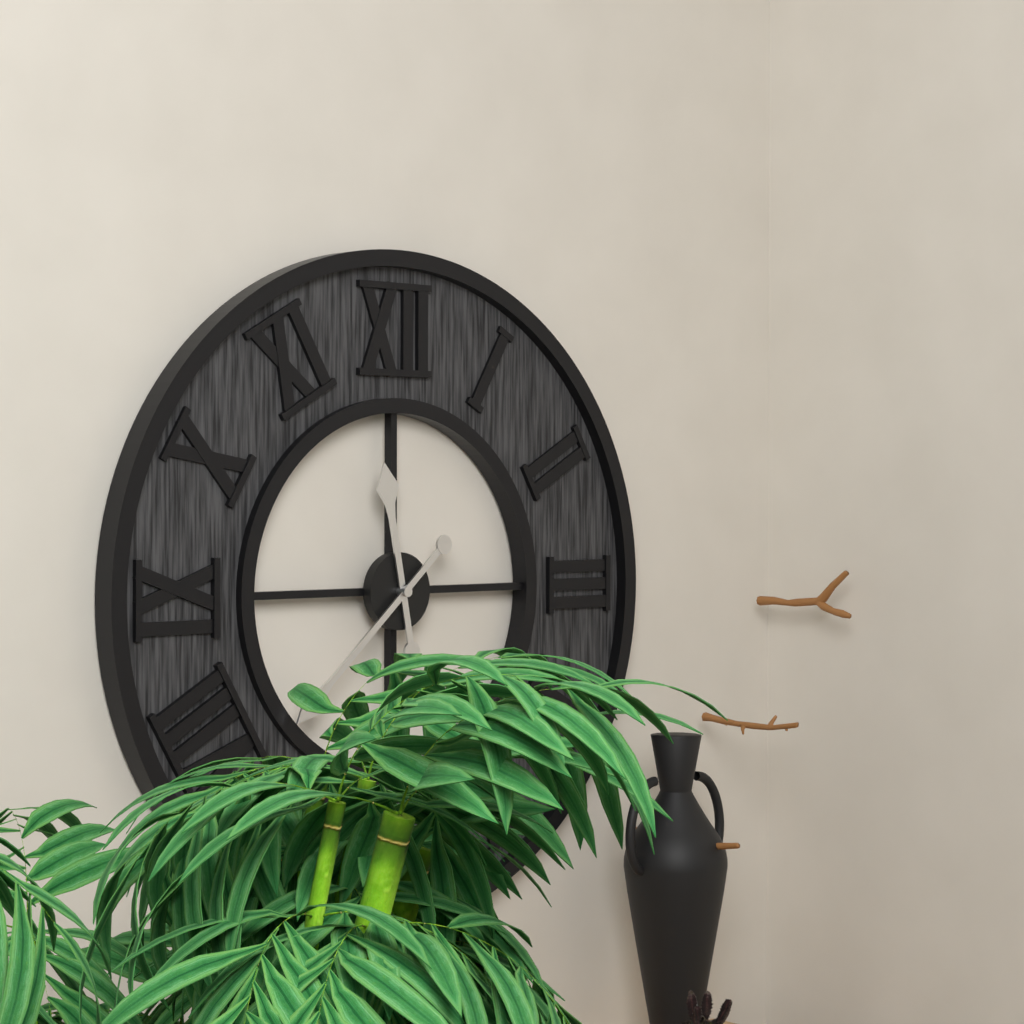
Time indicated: 11:38
